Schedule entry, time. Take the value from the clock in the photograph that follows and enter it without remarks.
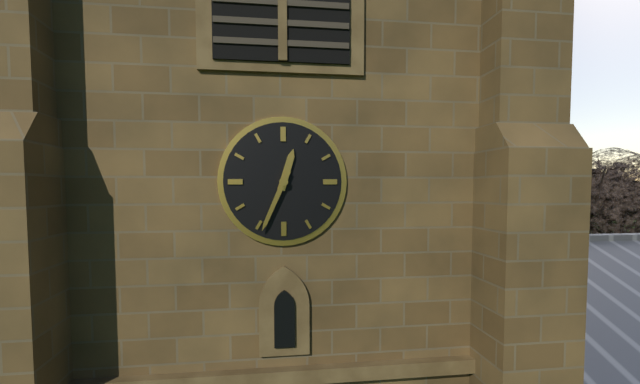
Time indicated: 12:34
